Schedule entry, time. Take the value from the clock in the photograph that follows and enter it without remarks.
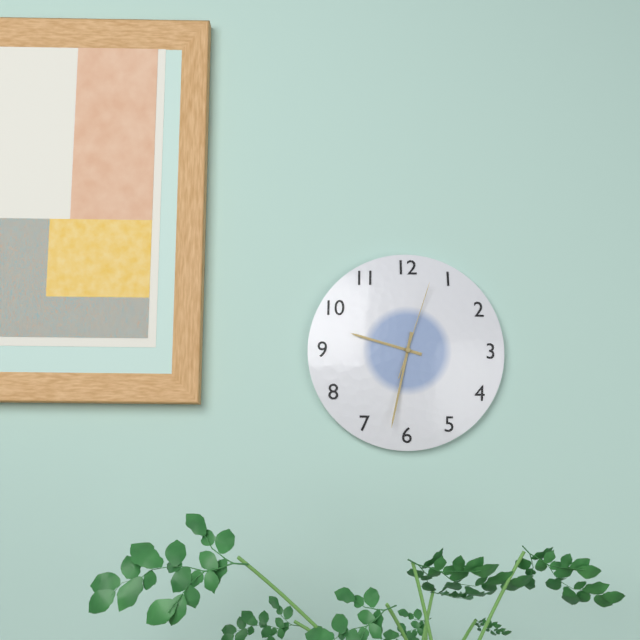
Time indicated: 9:32:03
